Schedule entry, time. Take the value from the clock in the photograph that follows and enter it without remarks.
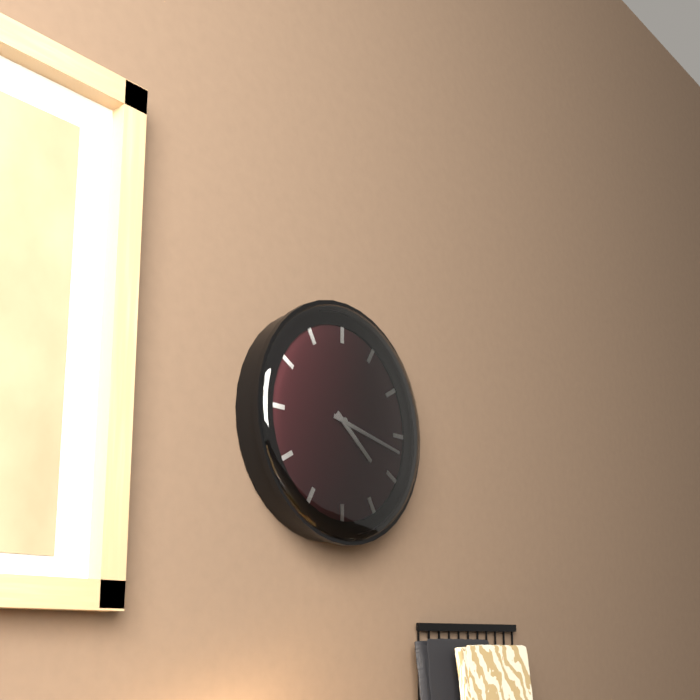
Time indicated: 4:17
